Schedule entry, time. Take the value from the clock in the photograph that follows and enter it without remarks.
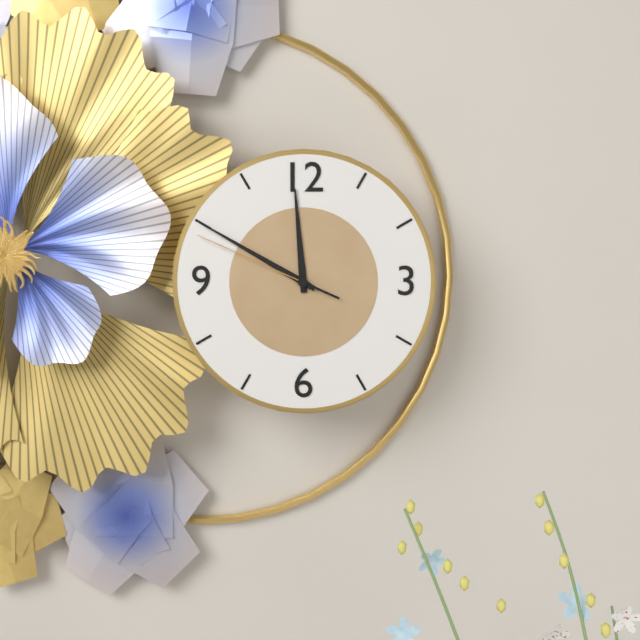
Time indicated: 11:50:49
